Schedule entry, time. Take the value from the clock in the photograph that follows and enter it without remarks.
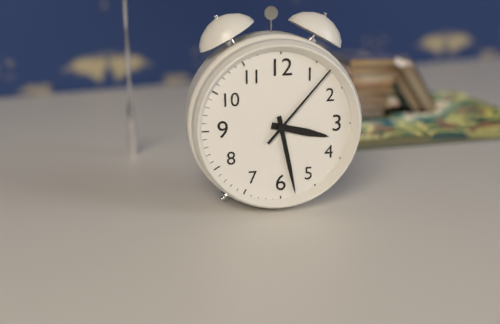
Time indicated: 3:28:07
